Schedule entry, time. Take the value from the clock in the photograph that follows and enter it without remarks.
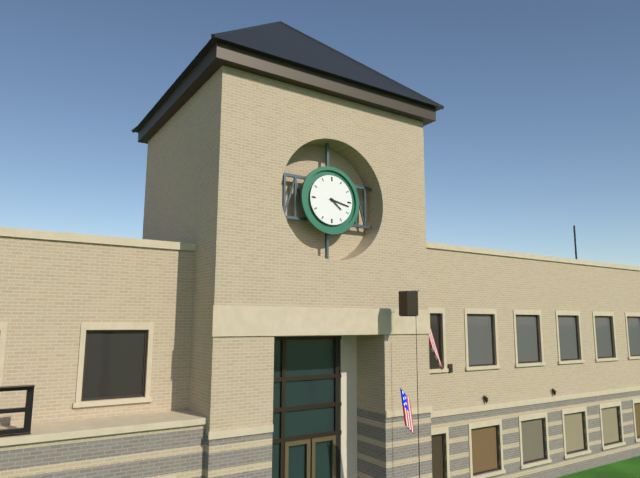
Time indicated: 4:17
